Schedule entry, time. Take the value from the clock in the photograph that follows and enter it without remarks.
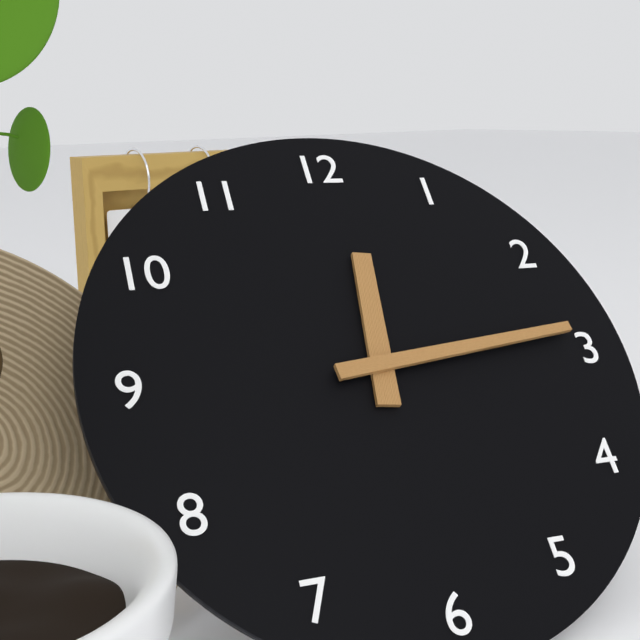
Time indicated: 12:14
